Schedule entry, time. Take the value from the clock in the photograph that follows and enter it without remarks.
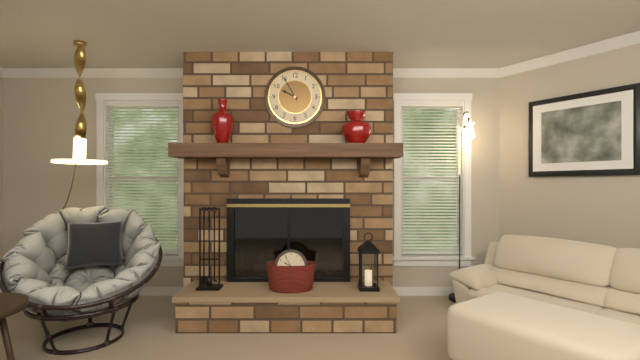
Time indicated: 9:55
